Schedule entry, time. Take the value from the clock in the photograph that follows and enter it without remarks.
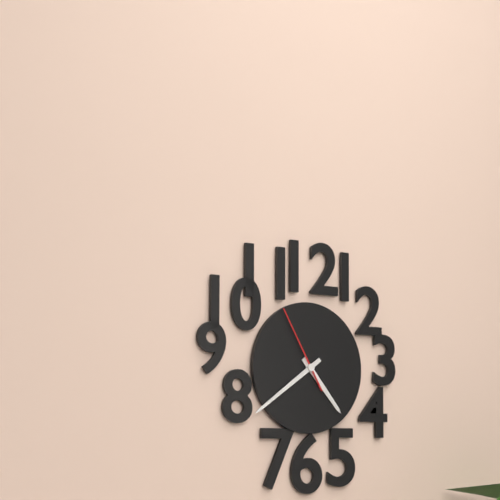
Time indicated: 4:39:55
